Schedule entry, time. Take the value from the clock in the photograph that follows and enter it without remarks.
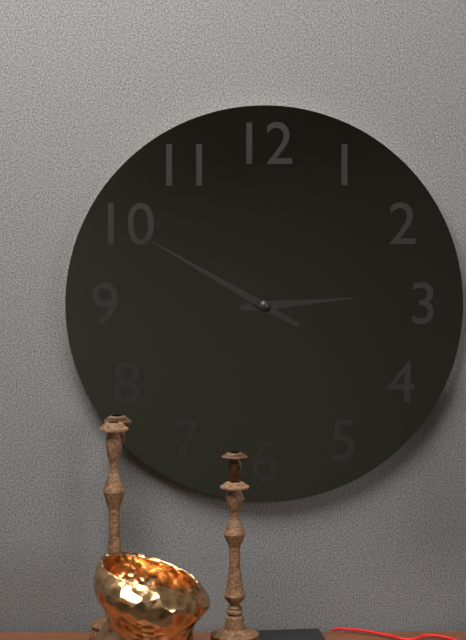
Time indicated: 2:50
